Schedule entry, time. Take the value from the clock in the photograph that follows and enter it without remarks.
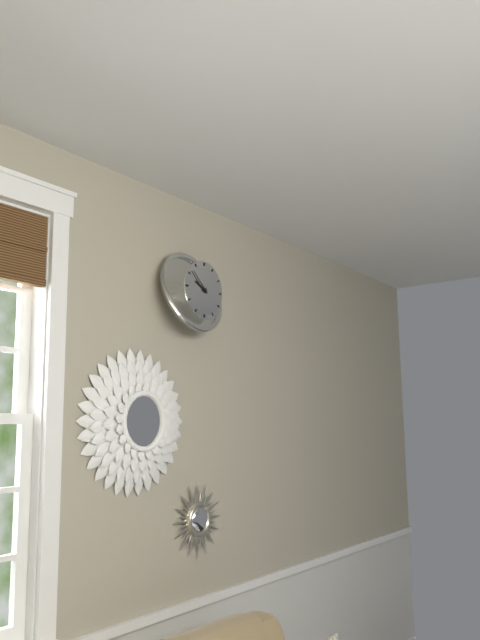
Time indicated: 9:52
